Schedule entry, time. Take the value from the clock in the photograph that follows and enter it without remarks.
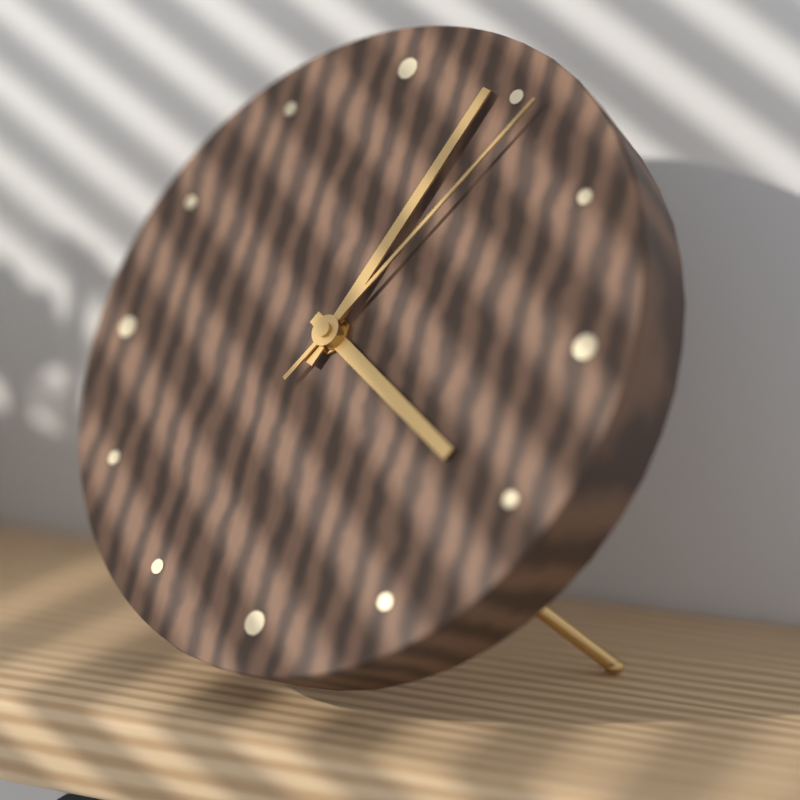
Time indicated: 4:04:06
